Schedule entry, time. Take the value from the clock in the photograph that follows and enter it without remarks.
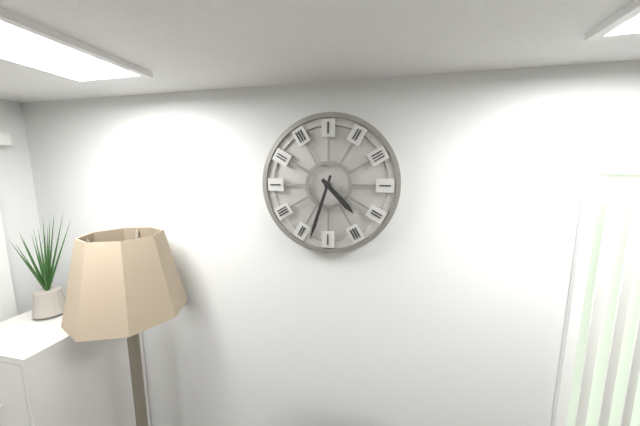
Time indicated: 4:33
